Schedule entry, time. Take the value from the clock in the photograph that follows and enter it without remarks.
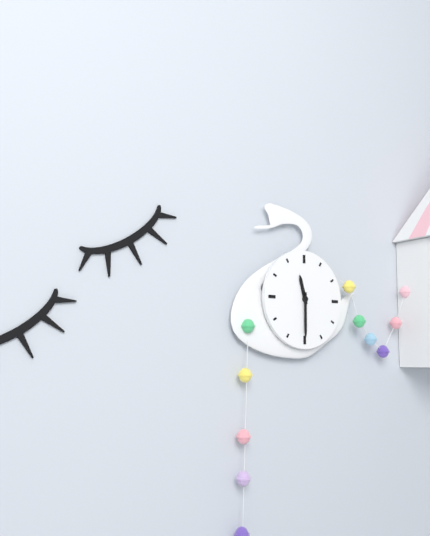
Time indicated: 11:30
